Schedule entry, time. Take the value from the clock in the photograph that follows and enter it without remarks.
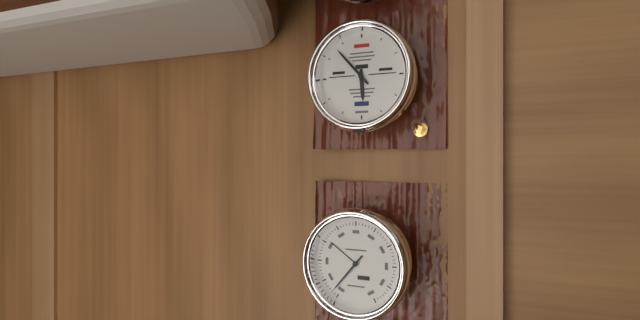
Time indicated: 5:53
